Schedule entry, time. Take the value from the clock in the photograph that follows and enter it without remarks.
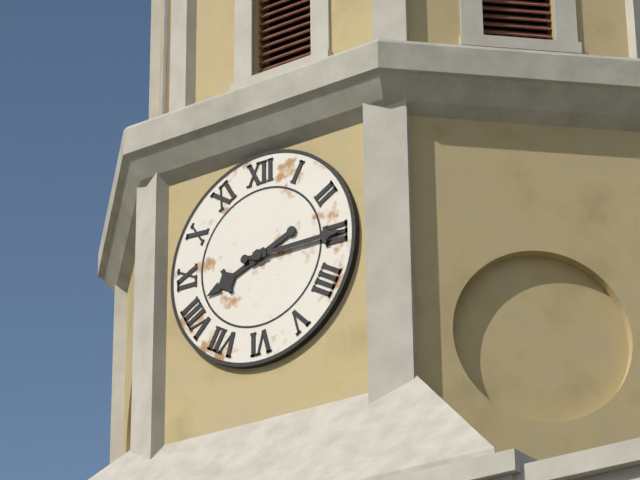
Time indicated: 8:15
